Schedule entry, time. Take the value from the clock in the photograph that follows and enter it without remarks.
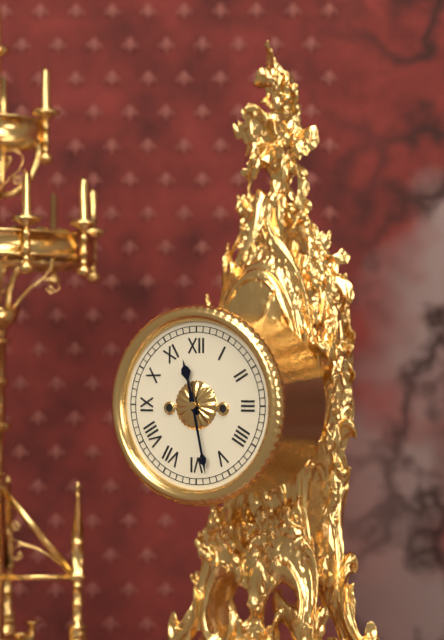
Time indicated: 11:28
